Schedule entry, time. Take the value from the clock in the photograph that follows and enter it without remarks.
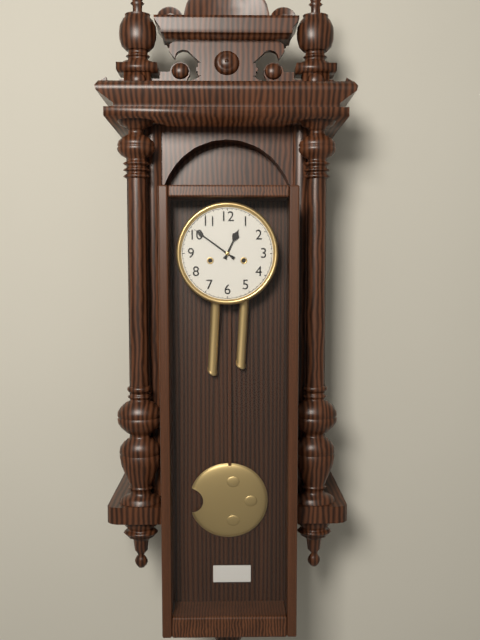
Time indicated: 12:51
